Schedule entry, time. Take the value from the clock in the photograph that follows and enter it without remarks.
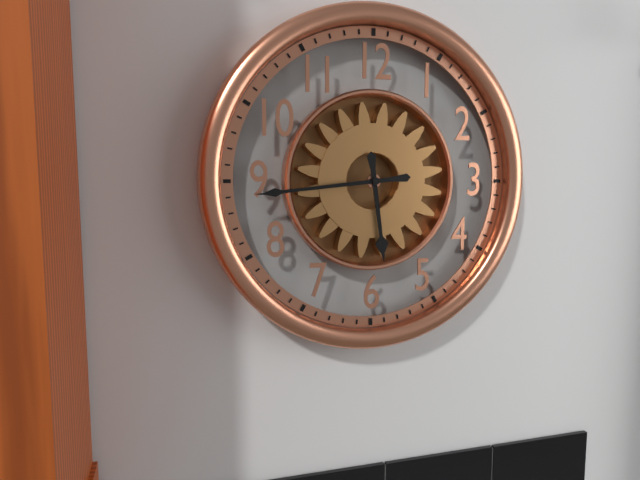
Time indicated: 5:44
